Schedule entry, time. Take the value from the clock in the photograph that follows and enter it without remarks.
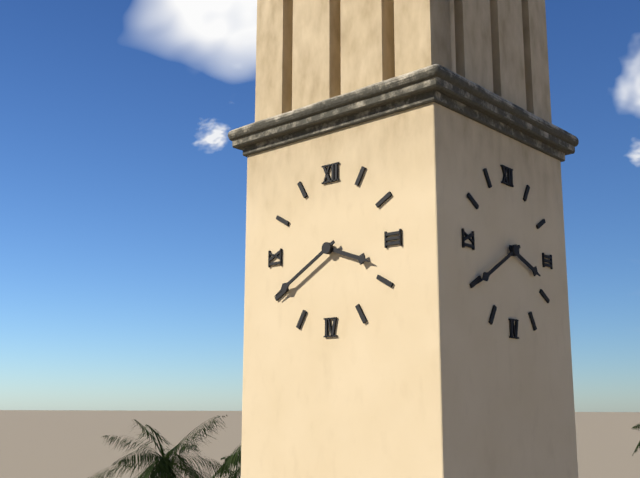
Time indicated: 3:40
